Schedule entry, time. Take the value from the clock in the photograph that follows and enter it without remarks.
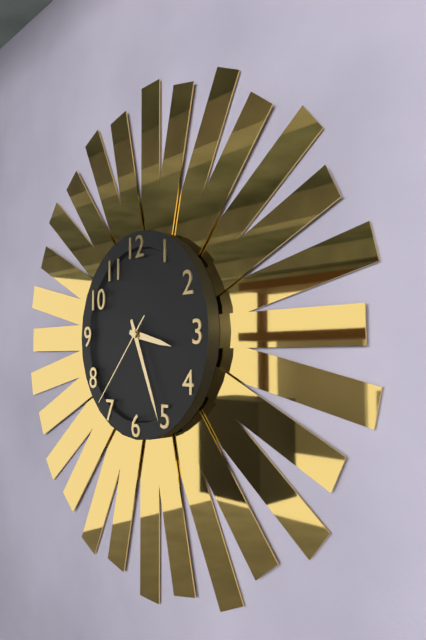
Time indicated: 3:26:37
